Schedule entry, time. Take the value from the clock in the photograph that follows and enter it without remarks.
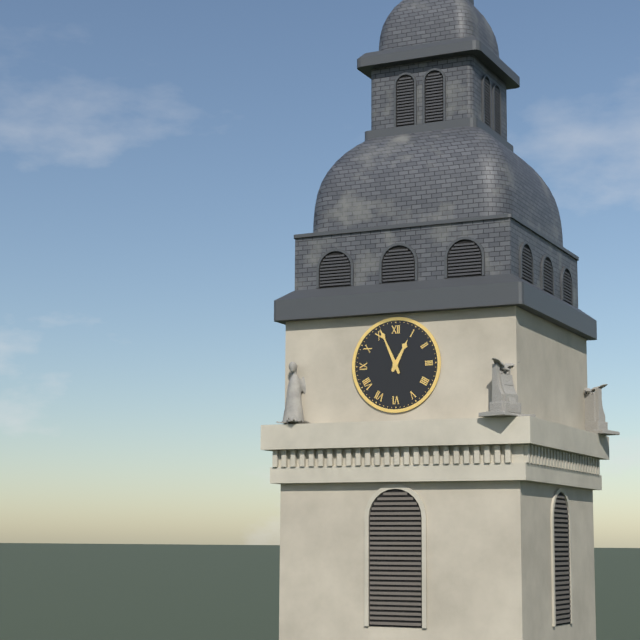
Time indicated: 12:56
